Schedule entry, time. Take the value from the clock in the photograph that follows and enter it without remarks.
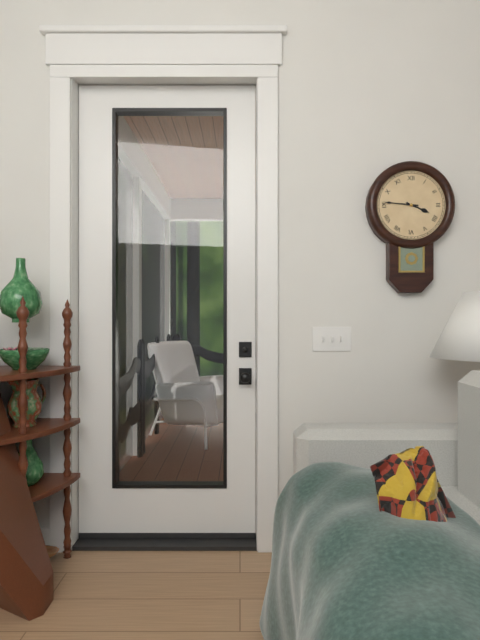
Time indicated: 3:46
